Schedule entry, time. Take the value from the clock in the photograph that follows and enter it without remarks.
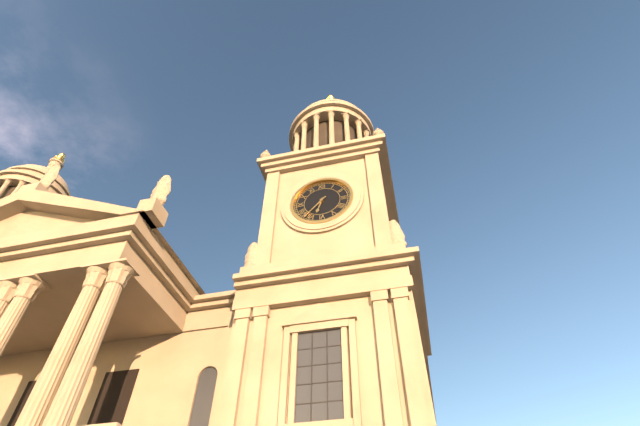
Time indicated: 6:37
